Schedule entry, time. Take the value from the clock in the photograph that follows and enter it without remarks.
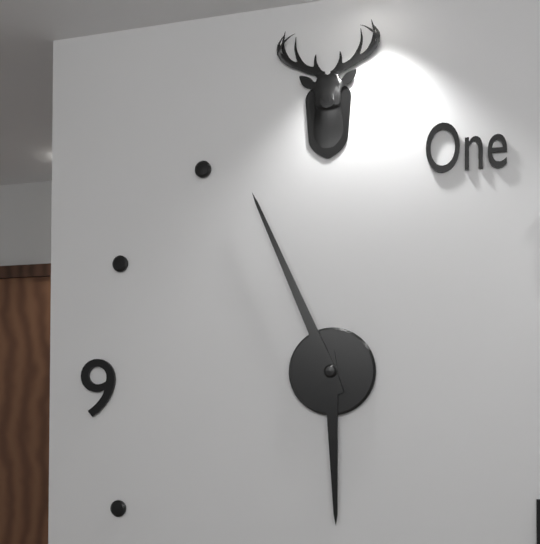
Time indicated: 5:56
